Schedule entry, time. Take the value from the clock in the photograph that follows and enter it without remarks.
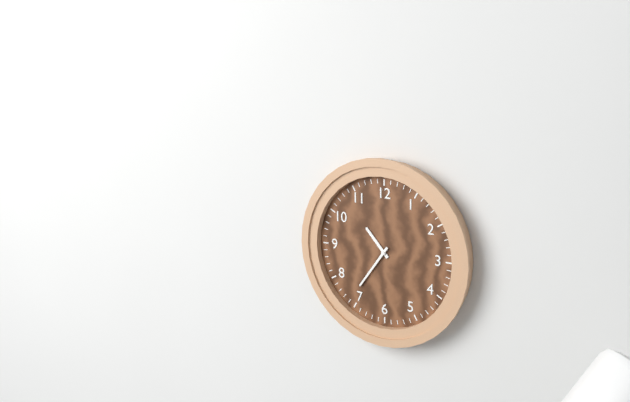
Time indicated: 10:36
